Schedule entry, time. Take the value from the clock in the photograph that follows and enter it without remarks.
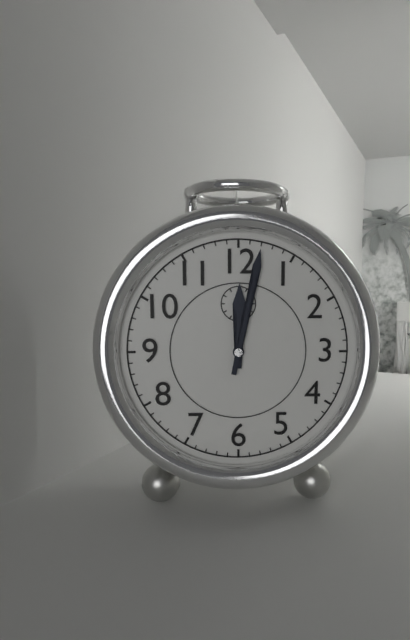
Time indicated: 12:02
